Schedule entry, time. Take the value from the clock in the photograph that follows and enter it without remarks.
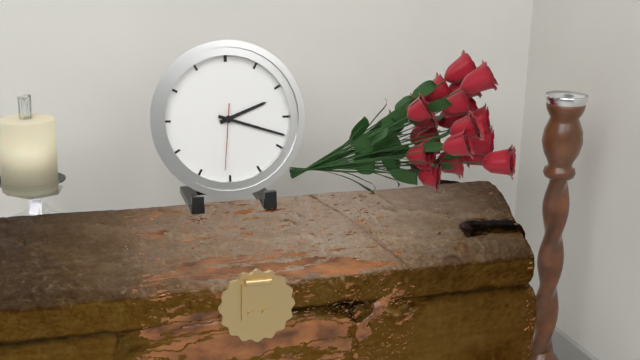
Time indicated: 2:18:31
